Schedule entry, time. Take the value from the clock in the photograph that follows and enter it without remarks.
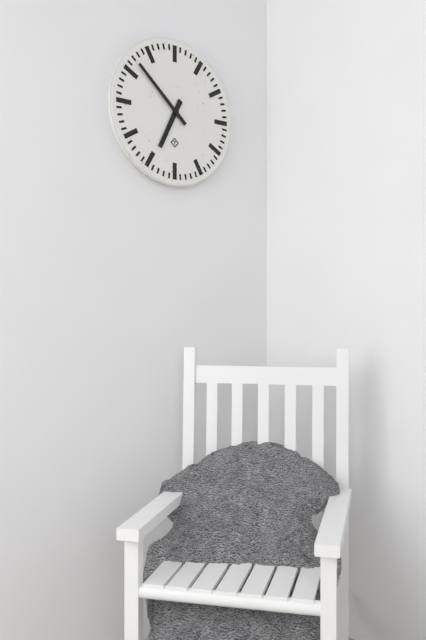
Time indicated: 6:52
